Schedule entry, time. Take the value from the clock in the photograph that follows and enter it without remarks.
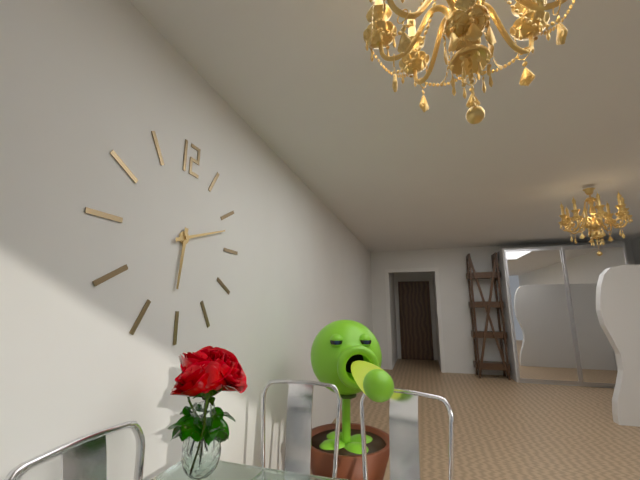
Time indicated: 6:12
